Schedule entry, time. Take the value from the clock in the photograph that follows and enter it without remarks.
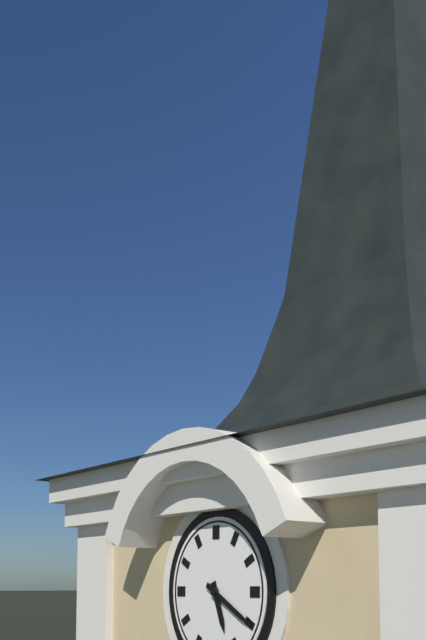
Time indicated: 5:20
